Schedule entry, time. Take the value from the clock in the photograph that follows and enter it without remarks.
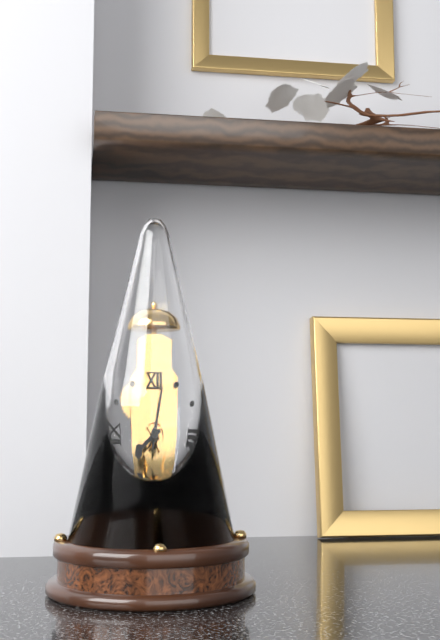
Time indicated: 8:02
